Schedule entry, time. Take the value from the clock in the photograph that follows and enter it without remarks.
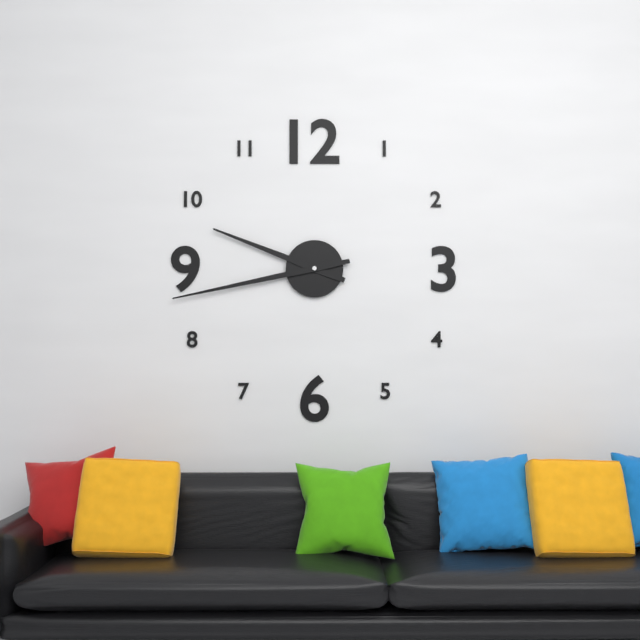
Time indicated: 9:43
